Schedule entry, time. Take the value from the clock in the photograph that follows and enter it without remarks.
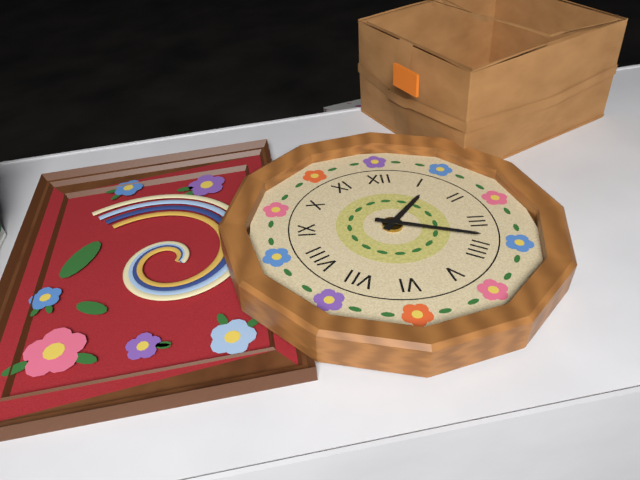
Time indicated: 1:18
